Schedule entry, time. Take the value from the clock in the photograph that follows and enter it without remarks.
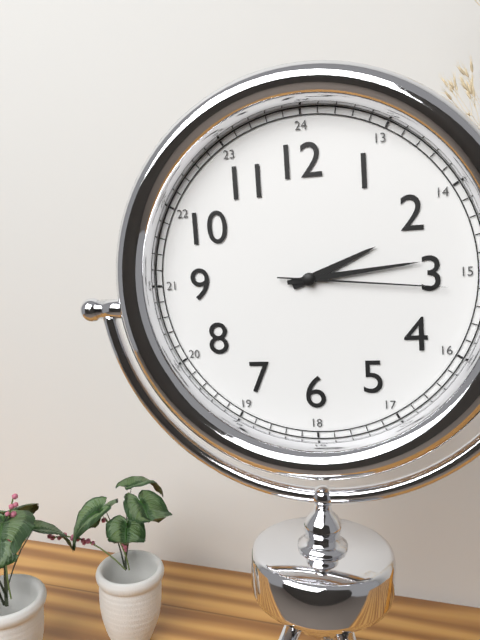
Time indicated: 2:14:16
